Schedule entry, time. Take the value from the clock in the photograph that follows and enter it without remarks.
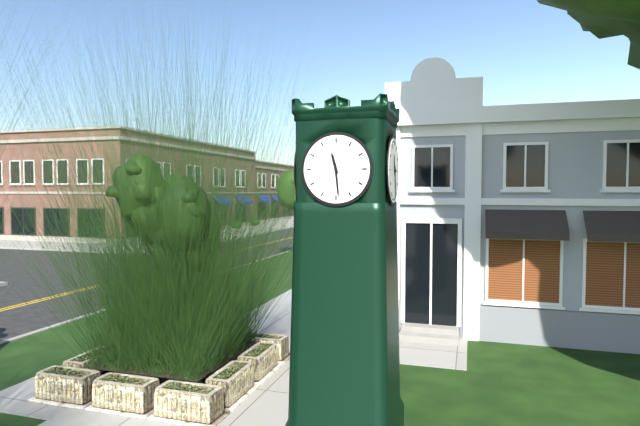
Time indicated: 11:29
